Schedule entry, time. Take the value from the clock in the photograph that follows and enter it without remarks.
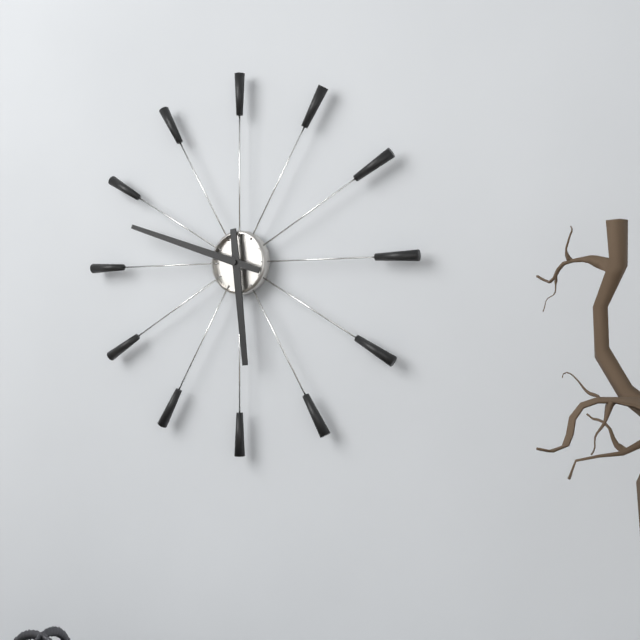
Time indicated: 5:48
